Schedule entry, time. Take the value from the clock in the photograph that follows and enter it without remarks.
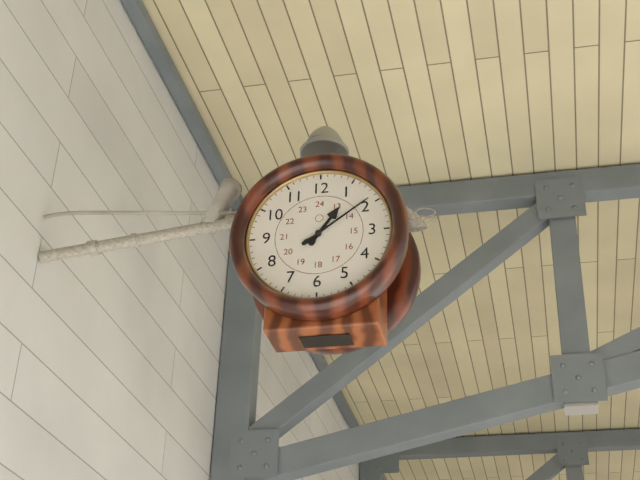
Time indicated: 1:09
